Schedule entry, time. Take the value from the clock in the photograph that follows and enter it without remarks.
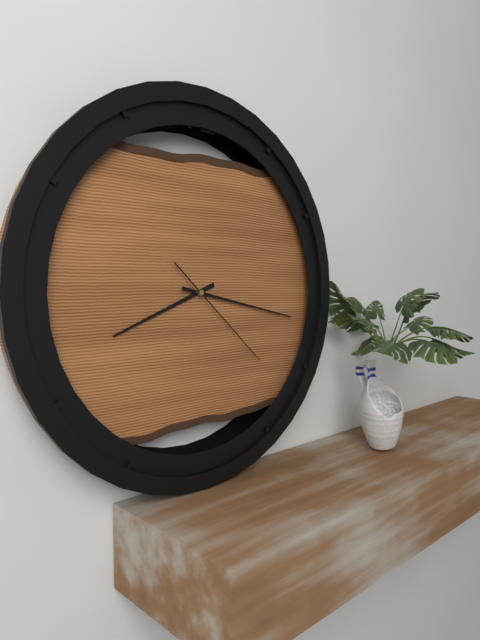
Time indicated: 8:17:22
